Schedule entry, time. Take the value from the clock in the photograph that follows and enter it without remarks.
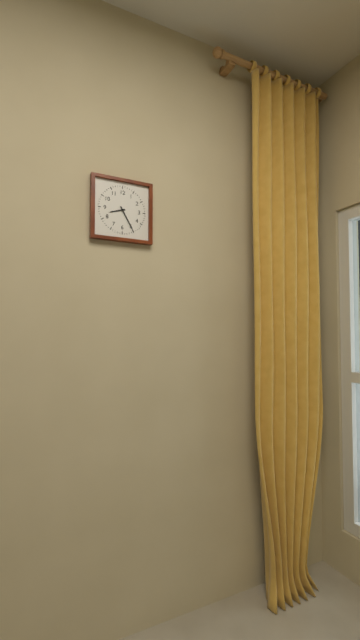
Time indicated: 8:25
